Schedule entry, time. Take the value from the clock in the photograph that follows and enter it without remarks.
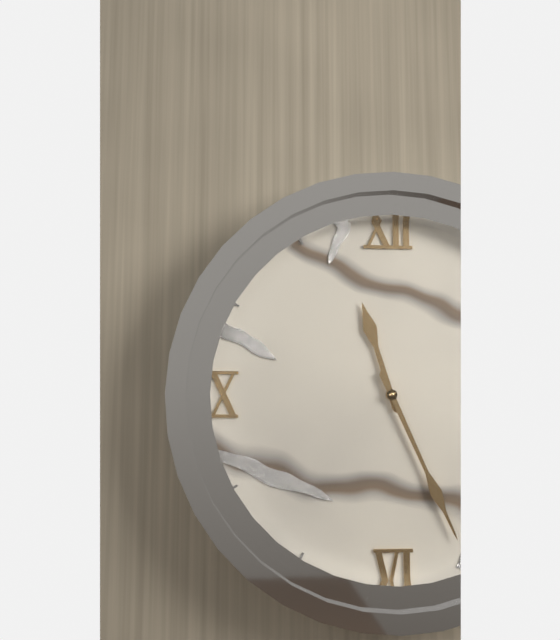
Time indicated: 11:26
